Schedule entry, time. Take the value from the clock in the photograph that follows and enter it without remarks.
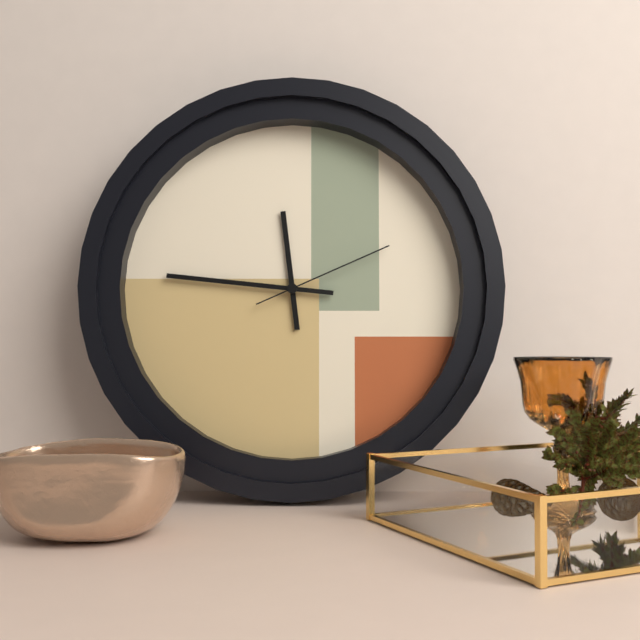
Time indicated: 11:46:11
